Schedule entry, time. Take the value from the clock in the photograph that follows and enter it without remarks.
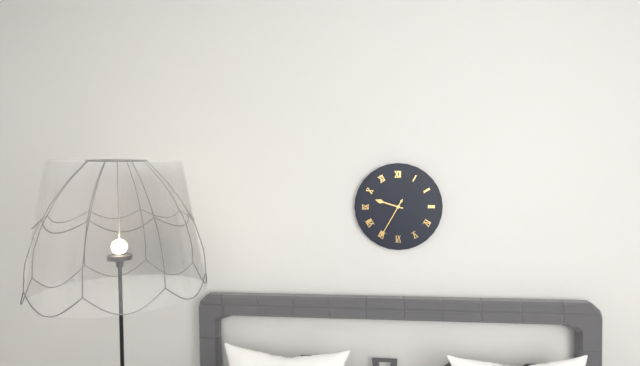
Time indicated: 9:35
